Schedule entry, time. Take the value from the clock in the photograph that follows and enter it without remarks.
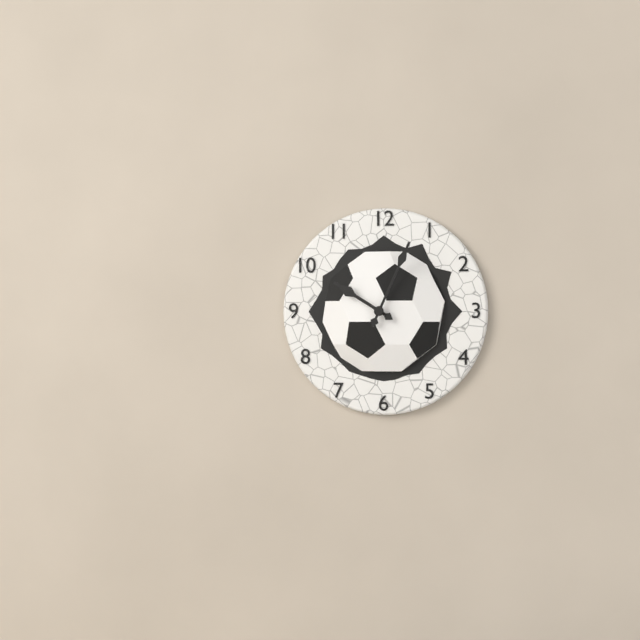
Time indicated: 10:04
